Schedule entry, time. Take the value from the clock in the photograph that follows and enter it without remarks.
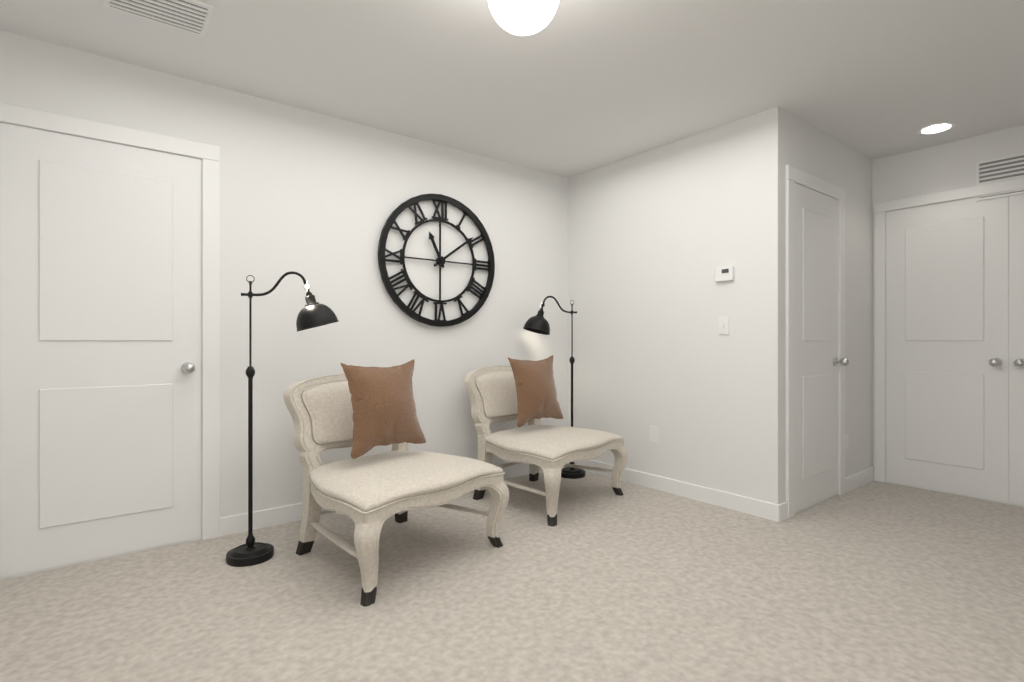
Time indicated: 11:09
